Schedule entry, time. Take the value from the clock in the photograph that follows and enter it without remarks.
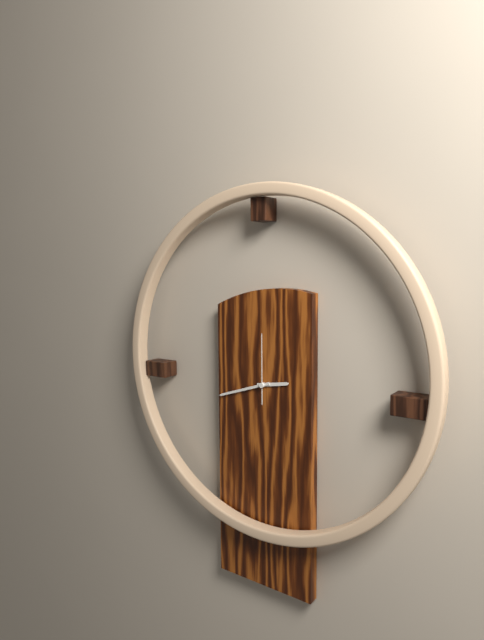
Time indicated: 2:42:00
